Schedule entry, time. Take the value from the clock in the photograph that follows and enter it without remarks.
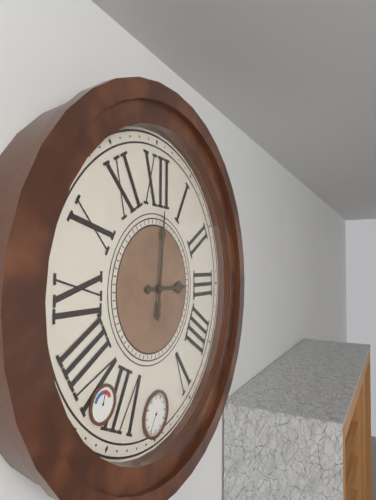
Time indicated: 3:01
